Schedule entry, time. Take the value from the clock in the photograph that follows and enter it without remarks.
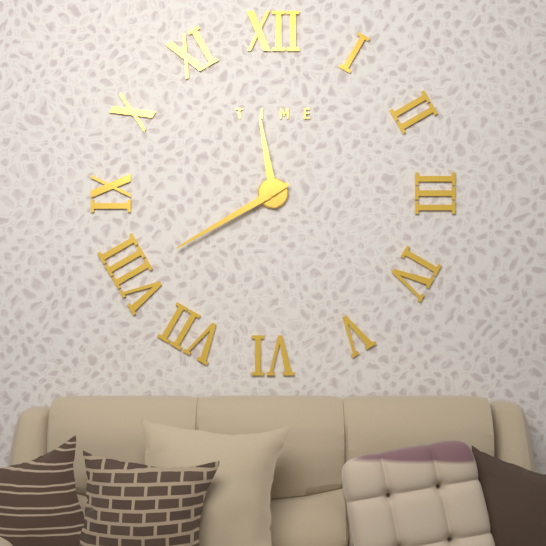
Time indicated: 11:40
